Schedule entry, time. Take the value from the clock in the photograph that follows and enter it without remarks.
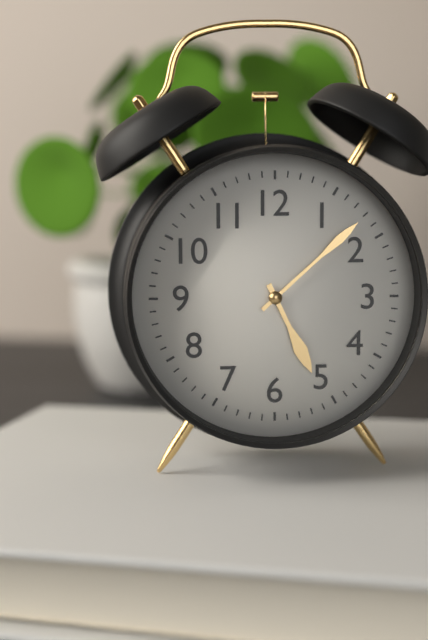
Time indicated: 5:08
